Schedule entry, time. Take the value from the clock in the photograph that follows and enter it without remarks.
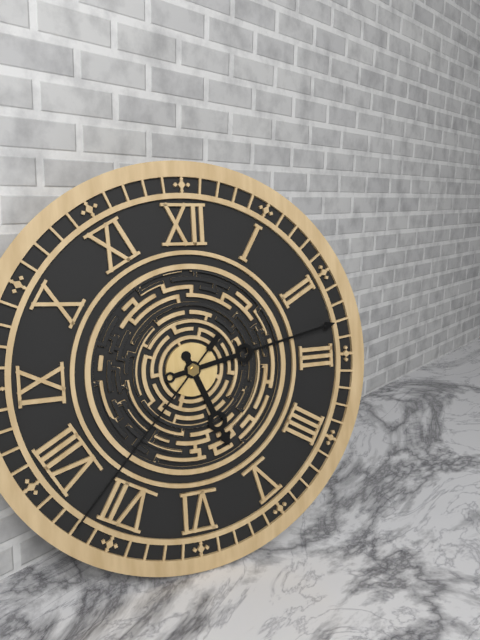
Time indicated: 5:13:37
